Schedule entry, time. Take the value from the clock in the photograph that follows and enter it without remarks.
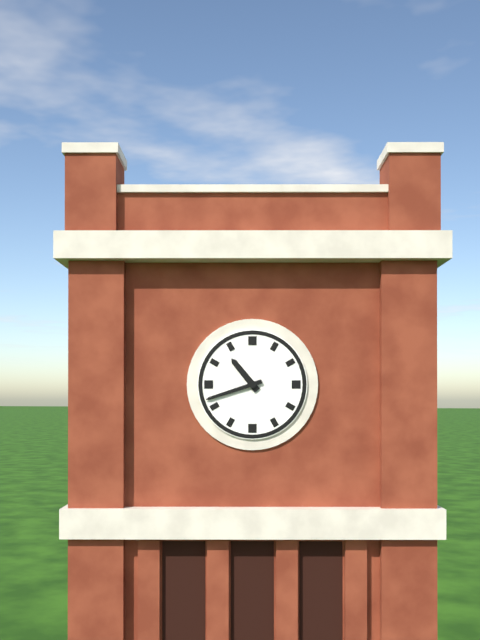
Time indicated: 10:42
